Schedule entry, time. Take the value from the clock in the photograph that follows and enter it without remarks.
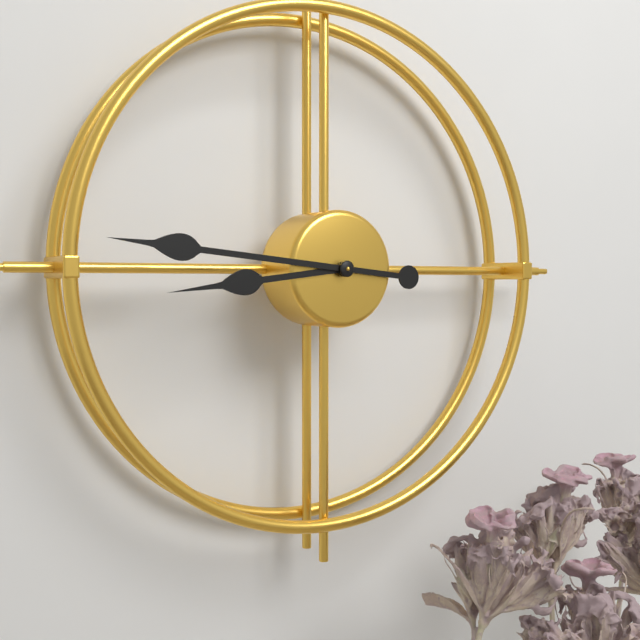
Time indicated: 8:46
